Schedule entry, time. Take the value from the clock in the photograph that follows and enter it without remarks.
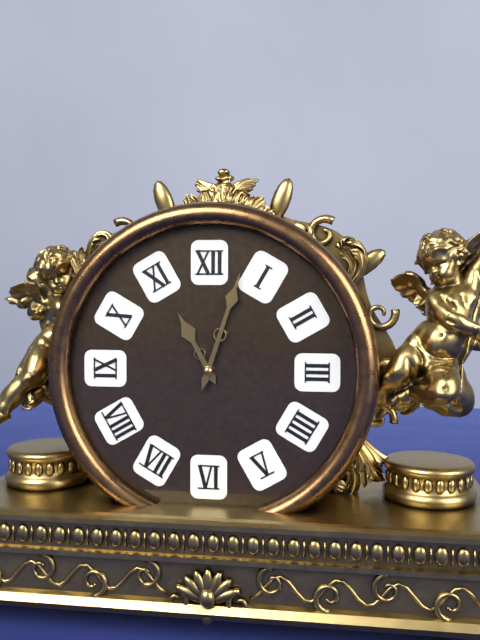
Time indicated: 11:03
